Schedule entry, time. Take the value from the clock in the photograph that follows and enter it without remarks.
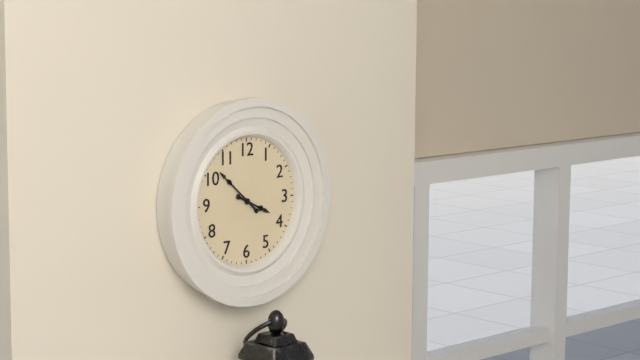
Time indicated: 3:52
